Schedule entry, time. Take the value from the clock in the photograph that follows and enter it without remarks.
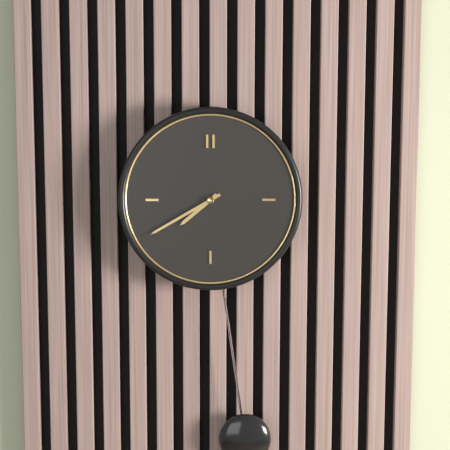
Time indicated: 7:40
